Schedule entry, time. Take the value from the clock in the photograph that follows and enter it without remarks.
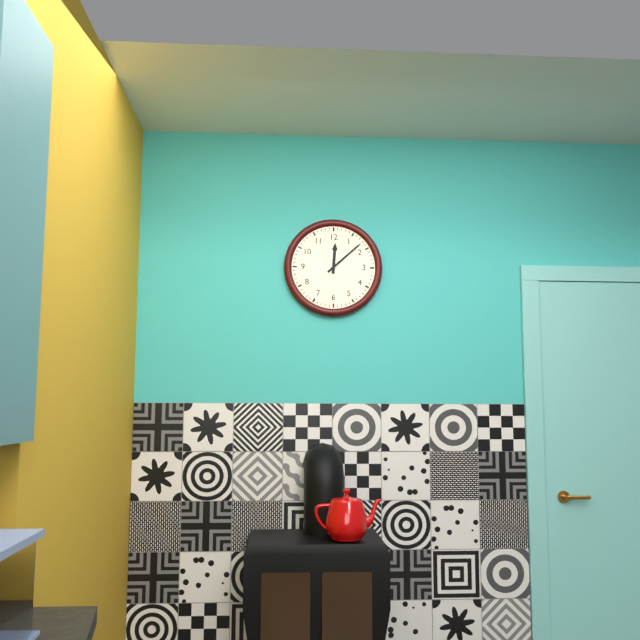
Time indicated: 12:08
